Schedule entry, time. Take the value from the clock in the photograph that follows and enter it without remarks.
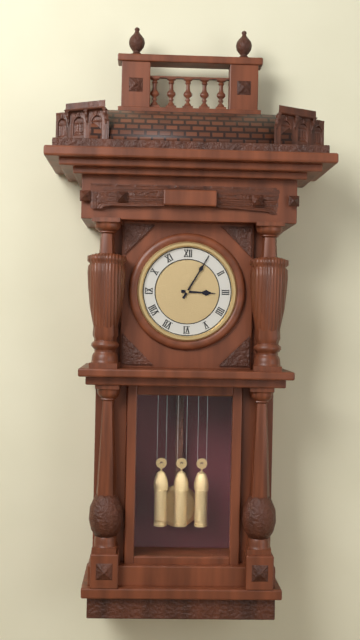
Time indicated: 3:05
